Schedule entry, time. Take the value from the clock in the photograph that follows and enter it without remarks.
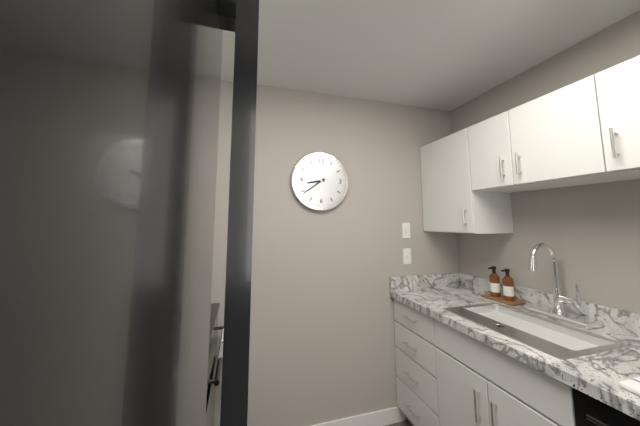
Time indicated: 8:39
